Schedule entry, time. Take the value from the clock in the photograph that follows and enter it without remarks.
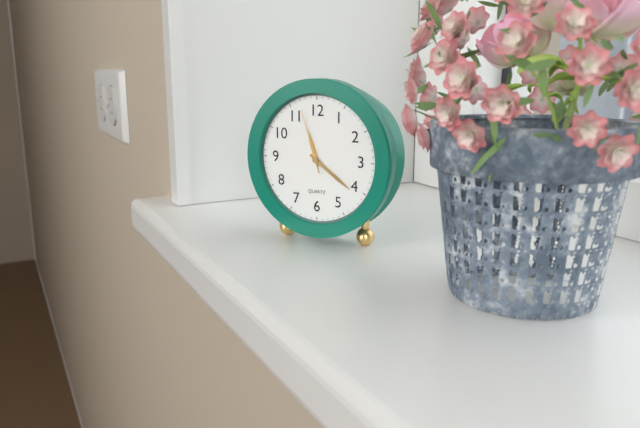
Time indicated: 11:21:57
